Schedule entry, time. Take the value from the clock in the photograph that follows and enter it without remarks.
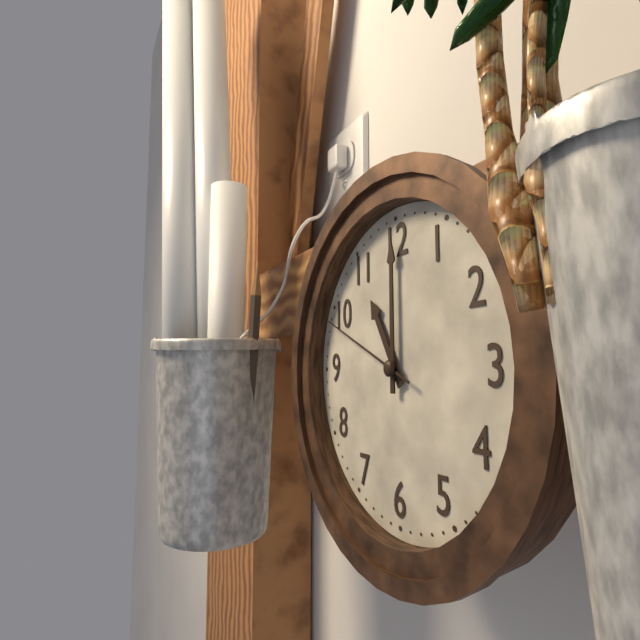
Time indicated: 11:00:49
